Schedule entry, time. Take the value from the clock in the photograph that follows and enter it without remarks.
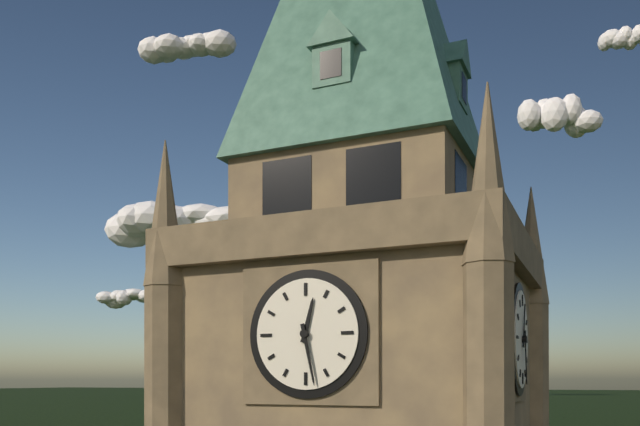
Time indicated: 12:28
